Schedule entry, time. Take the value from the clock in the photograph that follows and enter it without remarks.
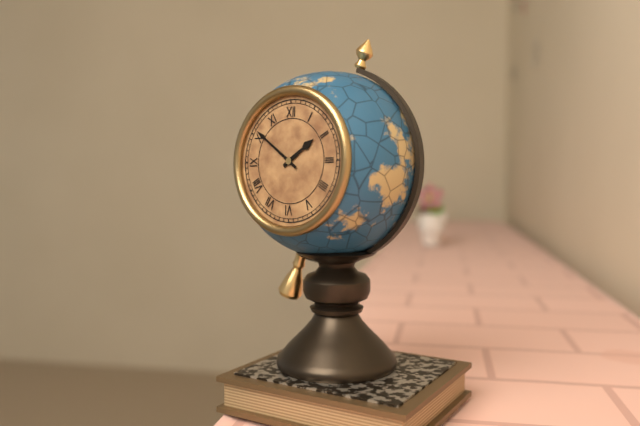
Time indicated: 1:51
